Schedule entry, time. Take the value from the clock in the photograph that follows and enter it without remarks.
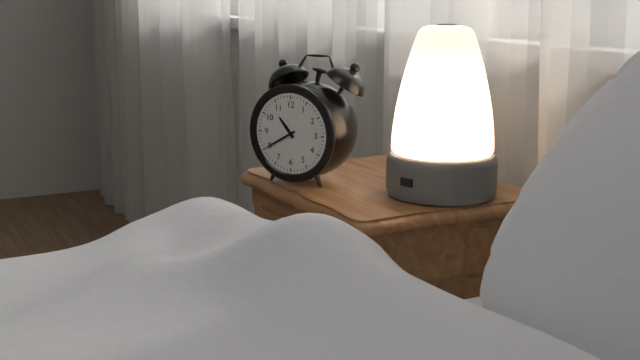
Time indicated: 10:40
